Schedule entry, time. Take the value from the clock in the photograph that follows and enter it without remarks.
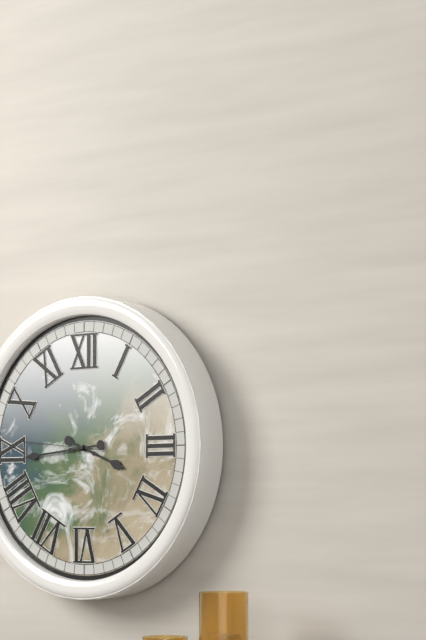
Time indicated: 3:44:46
